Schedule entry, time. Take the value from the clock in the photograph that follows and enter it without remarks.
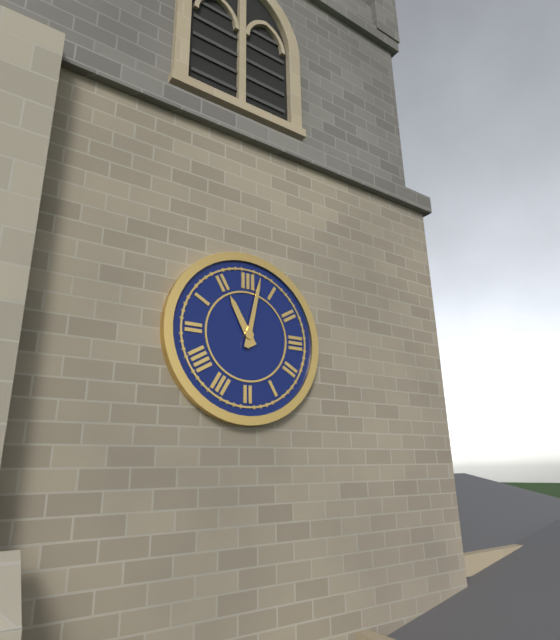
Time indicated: 11:02
